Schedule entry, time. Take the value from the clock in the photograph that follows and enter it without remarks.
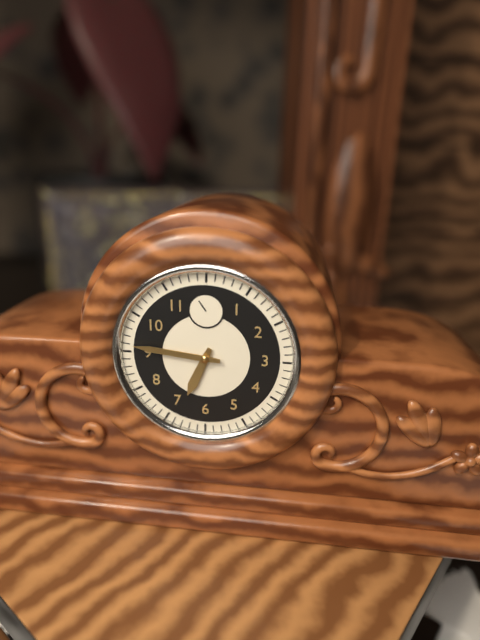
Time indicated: 6:46
